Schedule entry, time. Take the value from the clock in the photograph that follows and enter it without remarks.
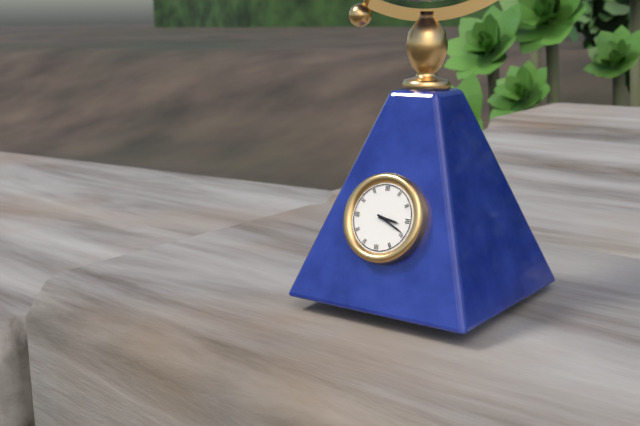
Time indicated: 3:19
